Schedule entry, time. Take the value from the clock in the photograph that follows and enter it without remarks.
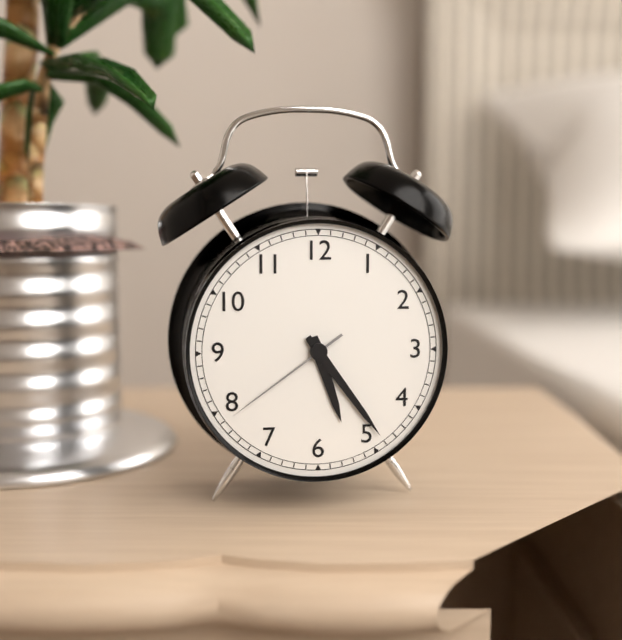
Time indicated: 5:24:39
